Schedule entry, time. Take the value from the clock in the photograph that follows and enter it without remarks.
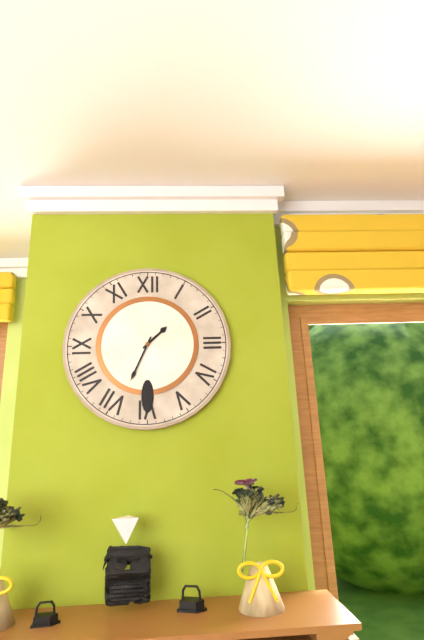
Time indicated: 1:34
